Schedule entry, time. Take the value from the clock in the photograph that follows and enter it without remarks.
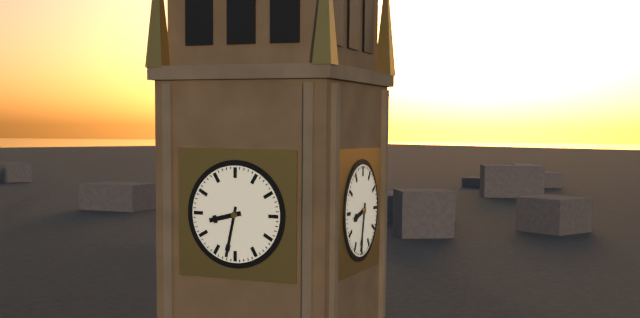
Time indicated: 8:32
